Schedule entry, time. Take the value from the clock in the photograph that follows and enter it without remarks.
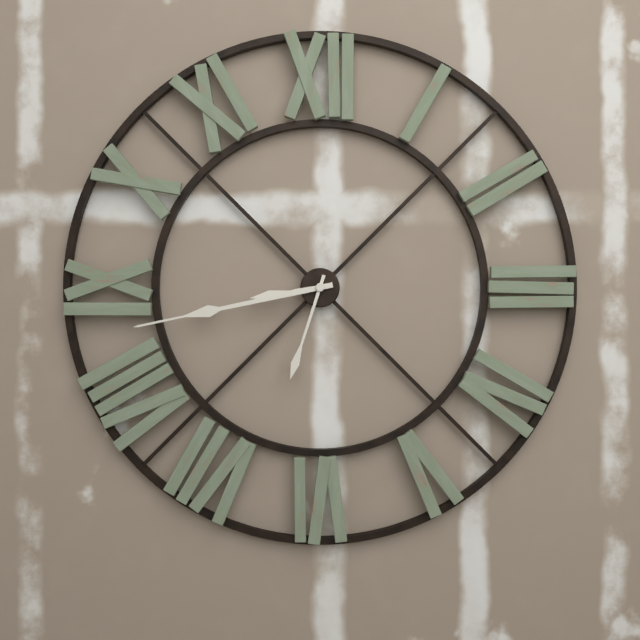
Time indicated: 8:43:33
